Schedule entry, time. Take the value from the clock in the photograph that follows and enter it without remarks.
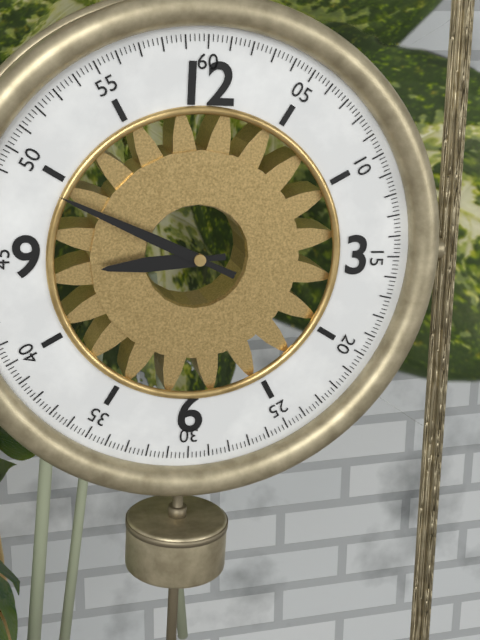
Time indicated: 8:49
